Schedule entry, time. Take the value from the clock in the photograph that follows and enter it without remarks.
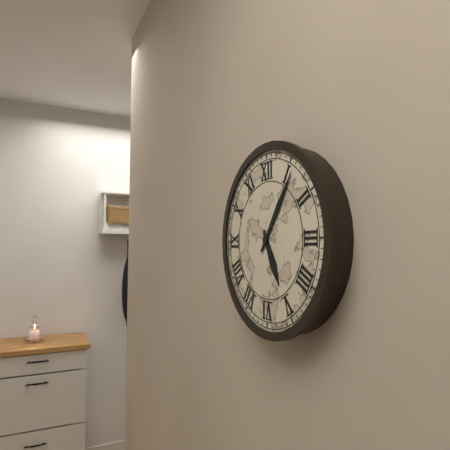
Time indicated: 5:06
